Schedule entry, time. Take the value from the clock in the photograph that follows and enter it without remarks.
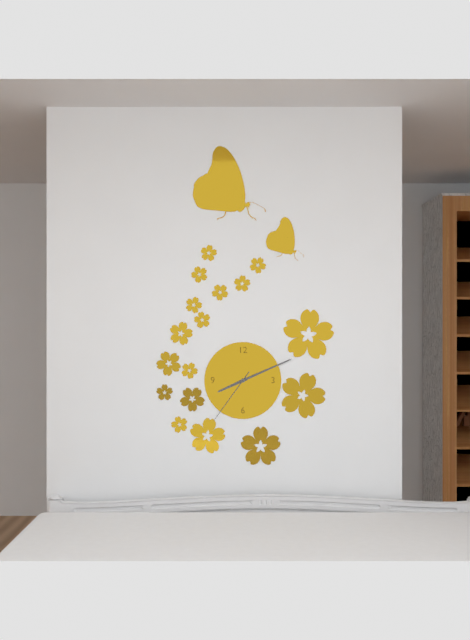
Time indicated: 8:11:36
